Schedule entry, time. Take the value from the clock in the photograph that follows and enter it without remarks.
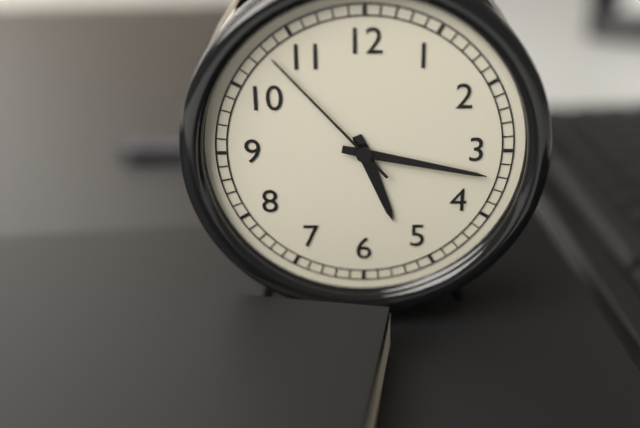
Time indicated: 5:17:53
